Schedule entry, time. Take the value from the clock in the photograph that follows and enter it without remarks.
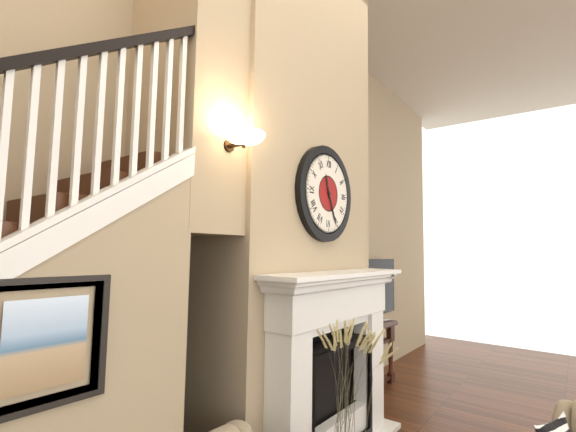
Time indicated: 11:26
